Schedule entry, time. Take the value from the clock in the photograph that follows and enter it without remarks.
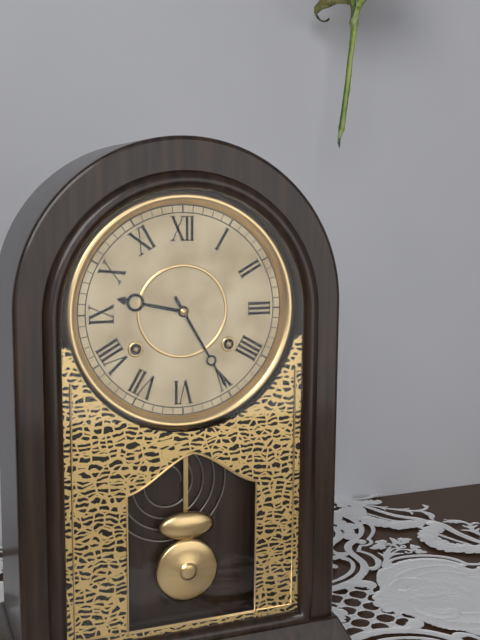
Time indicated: 9:25
